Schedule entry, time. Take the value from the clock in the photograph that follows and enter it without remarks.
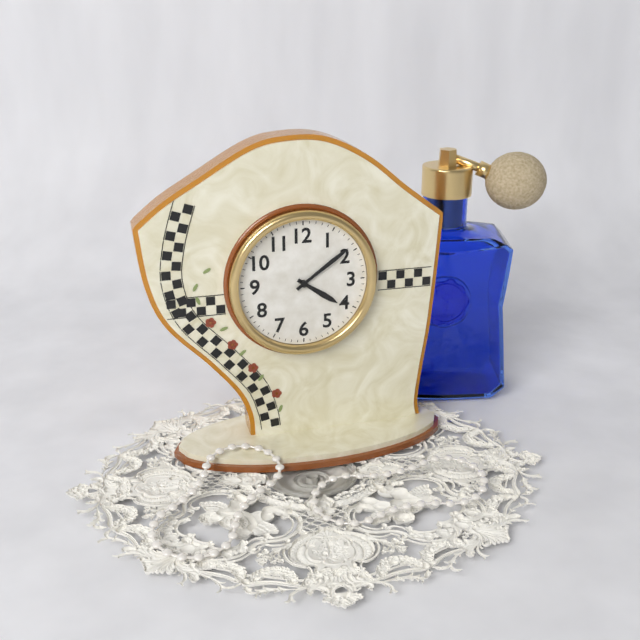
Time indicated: 4:09
